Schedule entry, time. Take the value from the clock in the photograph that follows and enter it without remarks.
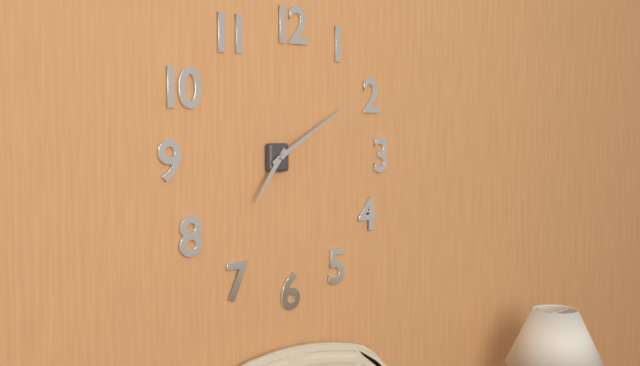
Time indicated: 7:10
